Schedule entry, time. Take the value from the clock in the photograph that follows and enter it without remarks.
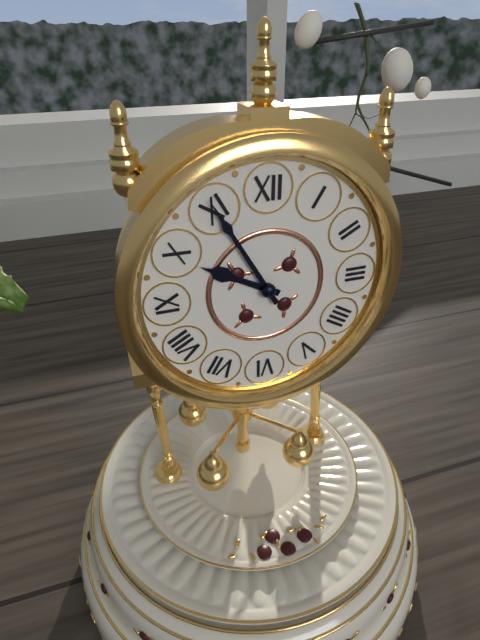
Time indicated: 9:55
